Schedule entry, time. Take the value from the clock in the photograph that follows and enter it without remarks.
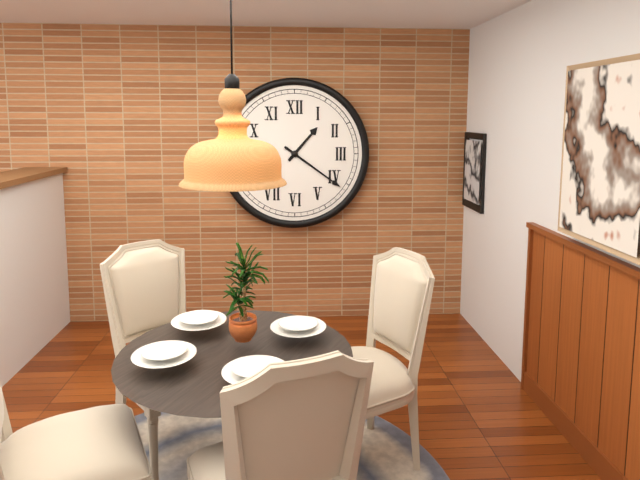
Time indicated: 1:21
